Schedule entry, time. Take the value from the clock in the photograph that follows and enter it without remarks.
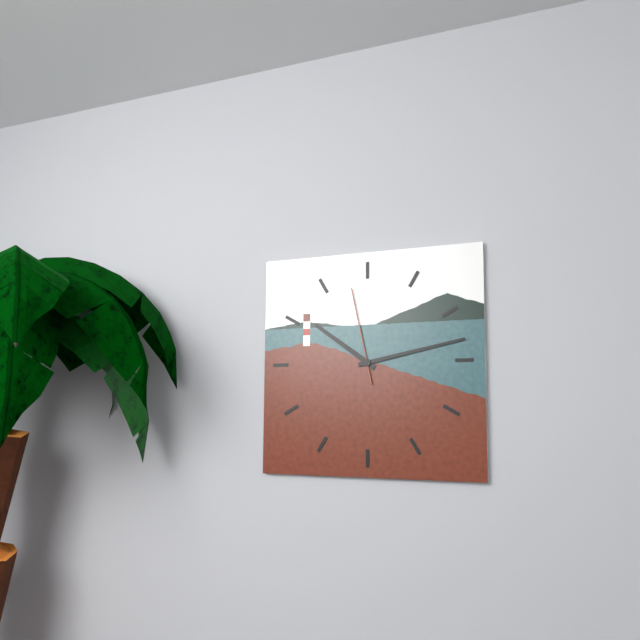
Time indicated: 10:13:58
